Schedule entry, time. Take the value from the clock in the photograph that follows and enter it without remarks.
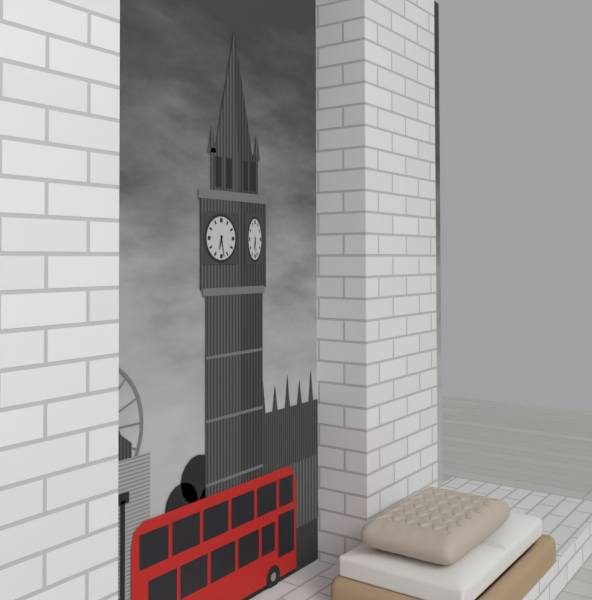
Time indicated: 6:28
